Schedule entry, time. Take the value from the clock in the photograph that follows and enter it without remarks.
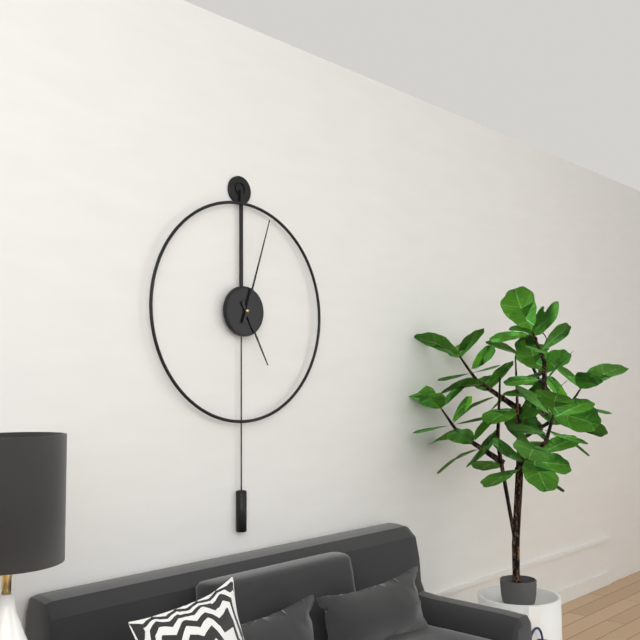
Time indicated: 5:03
